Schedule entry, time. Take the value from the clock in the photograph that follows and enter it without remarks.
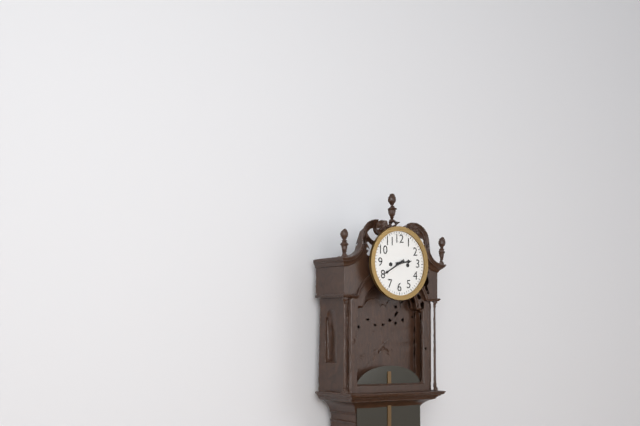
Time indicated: 2:40
